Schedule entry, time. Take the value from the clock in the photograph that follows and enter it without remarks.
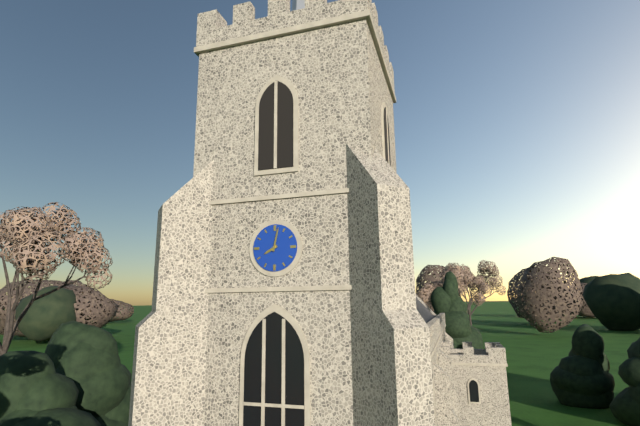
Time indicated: 8:02
